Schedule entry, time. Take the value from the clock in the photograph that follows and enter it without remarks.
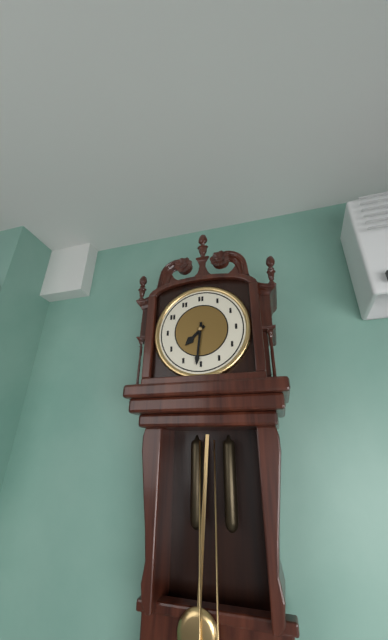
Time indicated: 7:31
